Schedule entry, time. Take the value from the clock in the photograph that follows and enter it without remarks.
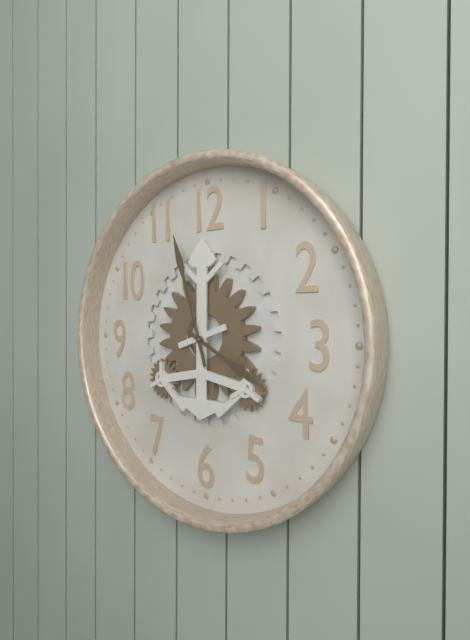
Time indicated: 3:57
